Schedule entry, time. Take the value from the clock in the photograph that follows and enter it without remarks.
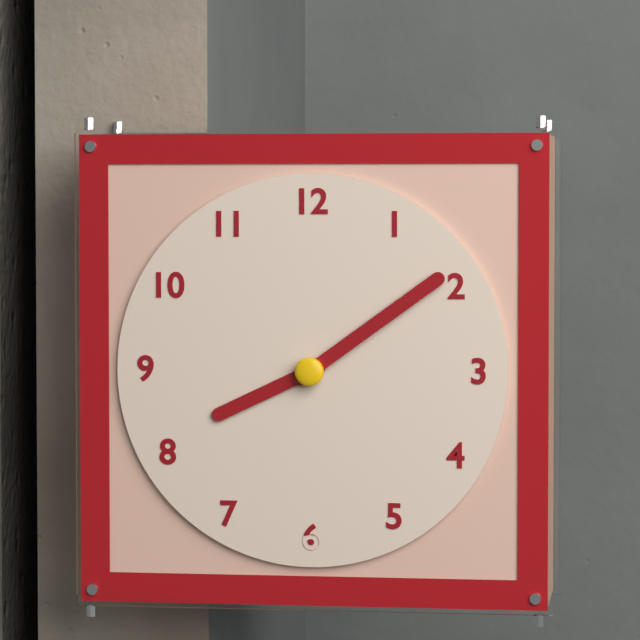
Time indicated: 8:09
